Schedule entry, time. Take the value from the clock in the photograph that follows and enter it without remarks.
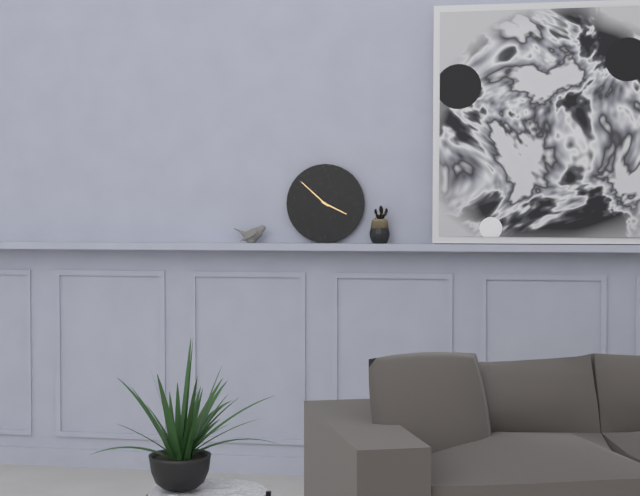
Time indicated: 3:52
